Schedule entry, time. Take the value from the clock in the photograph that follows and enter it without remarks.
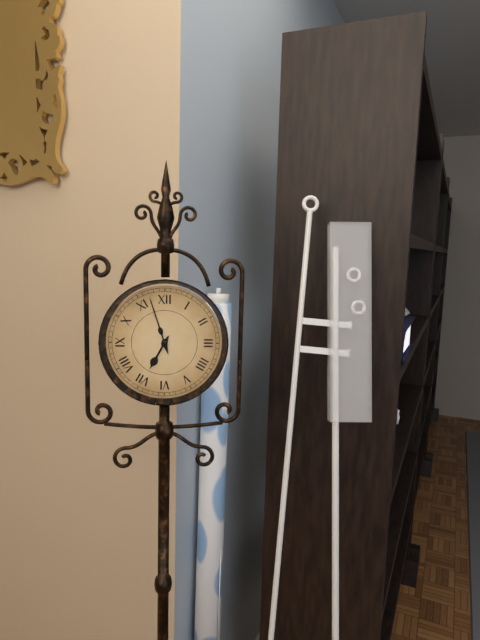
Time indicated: 6:57
